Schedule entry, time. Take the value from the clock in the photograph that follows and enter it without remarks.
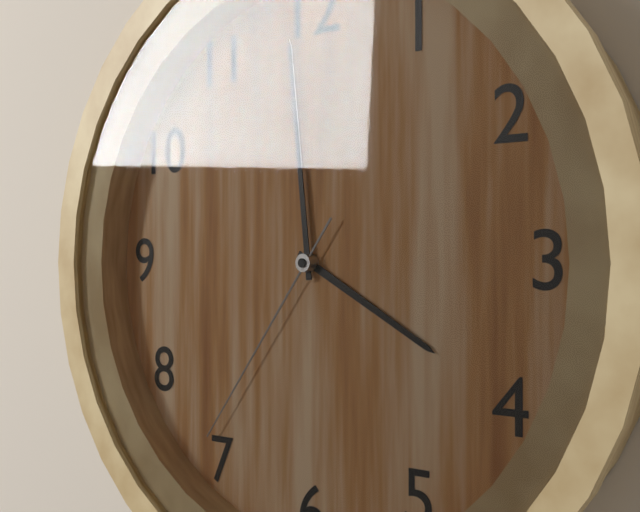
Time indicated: 3:59:36
